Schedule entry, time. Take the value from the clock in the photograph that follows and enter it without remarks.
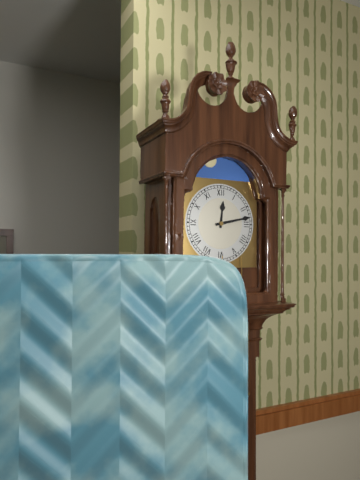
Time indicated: 12:13
